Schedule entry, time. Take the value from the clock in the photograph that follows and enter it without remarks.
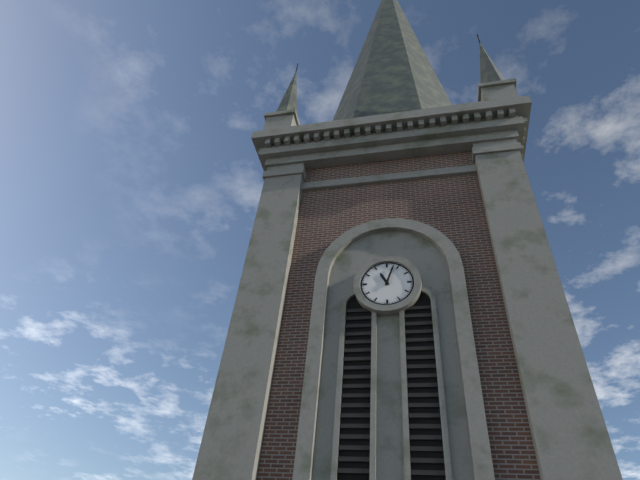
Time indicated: 11:03
